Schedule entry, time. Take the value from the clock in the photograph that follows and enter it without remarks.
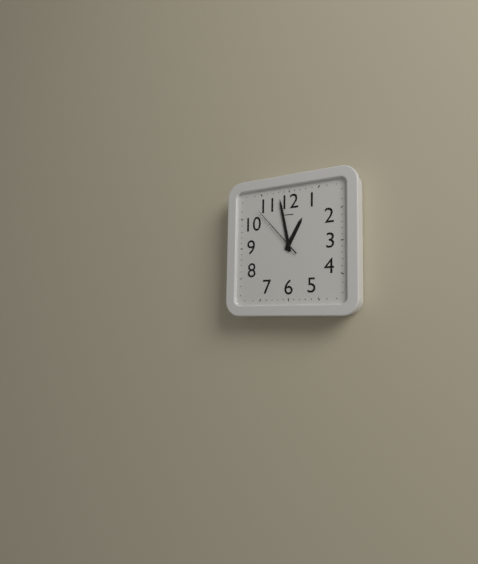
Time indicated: 12:58:53
